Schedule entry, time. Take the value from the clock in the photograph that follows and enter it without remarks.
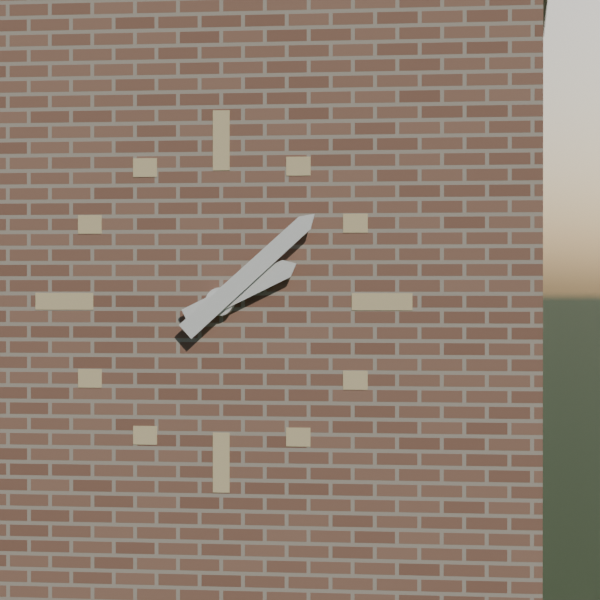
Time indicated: 2:08
